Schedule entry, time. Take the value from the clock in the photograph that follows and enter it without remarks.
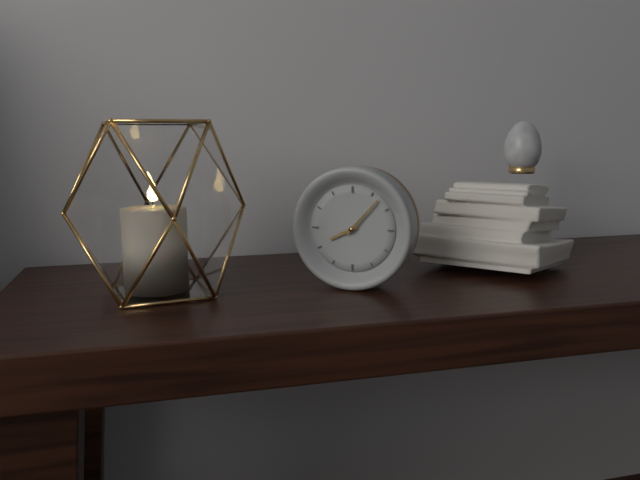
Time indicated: 8:07
